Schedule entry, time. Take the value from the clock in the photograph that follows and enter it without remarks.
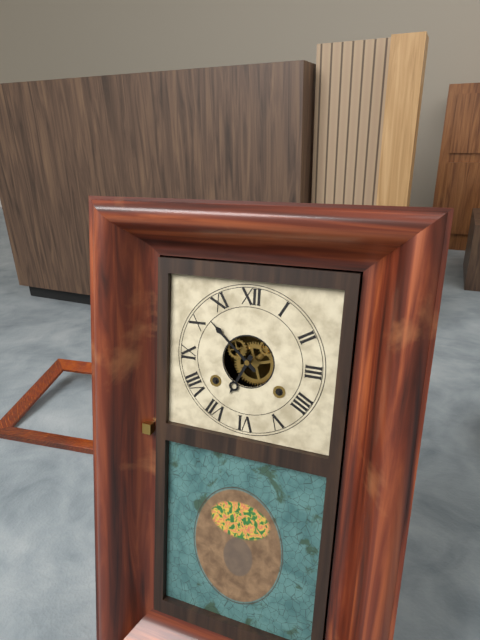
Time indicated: 6:52
